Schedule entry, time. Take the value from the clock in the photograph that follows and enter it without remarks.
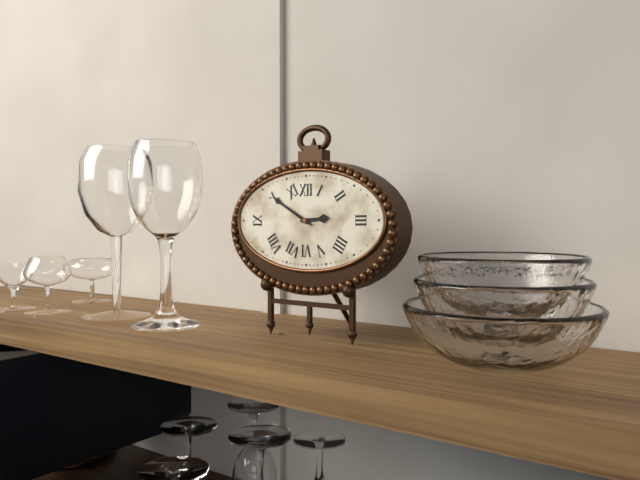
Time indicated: 2:50
